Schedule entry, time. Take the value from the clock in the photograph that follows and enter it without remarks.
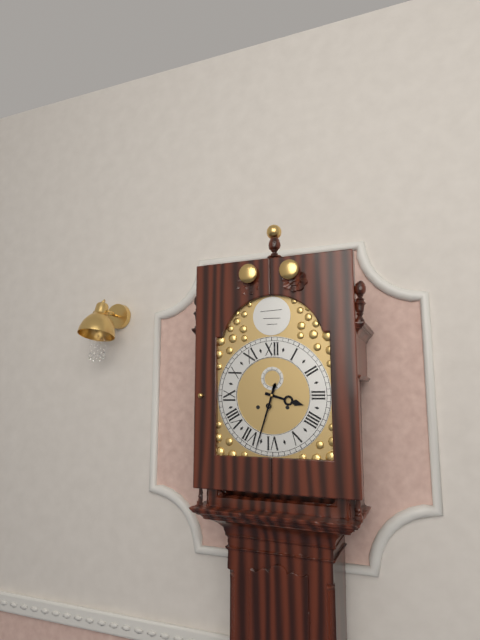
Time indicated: 3:33
